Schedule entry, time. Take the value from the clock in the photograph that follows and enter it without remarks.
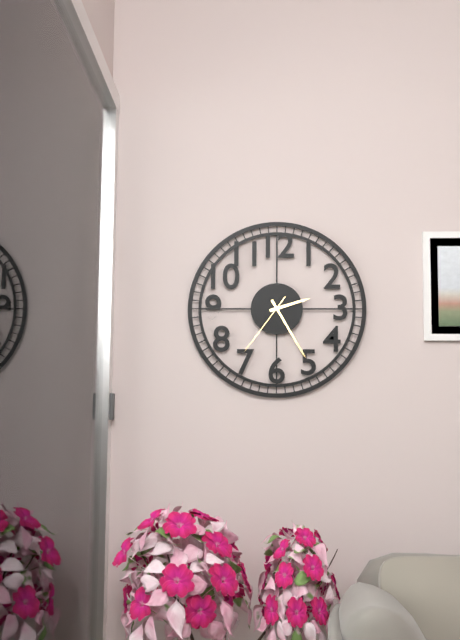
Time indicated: 2:25:36
